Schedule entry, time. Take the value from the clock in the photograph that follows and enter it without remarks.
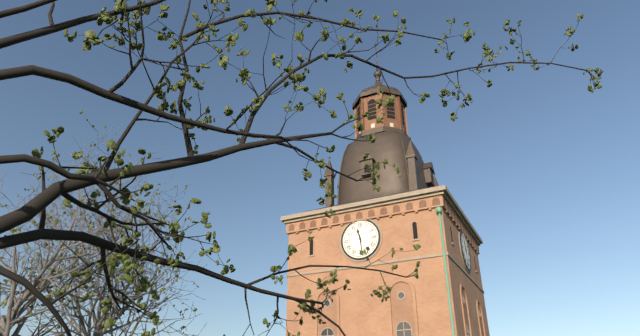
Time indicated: 11:29
